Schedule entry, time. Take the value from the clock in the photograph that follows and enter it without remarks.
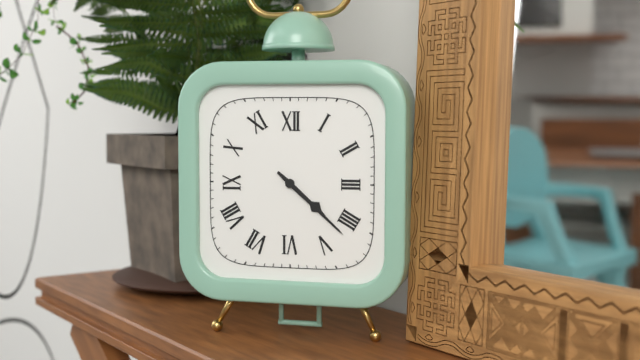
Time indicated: 4:22
